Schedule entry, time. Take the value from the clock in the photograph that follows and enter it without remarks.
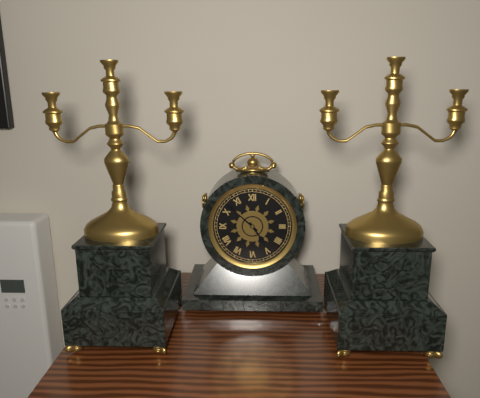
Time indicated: 4:52
